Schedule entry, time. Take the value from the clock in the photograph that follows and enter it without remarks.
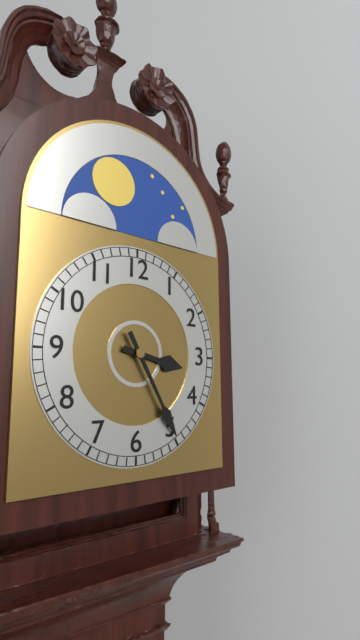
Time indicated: 3:25
